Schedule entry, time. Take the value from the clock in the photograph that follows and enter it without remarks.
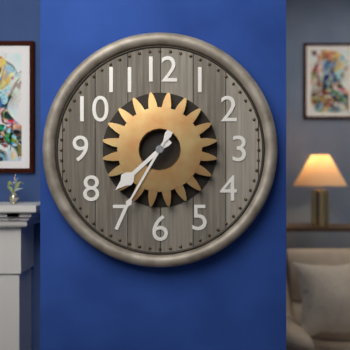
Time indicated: 7:35
